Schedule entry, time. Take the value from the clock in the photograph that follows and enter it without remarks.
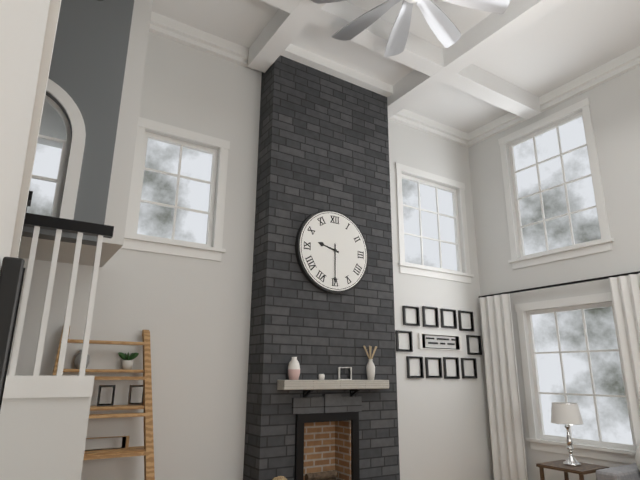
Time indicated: 9:30
